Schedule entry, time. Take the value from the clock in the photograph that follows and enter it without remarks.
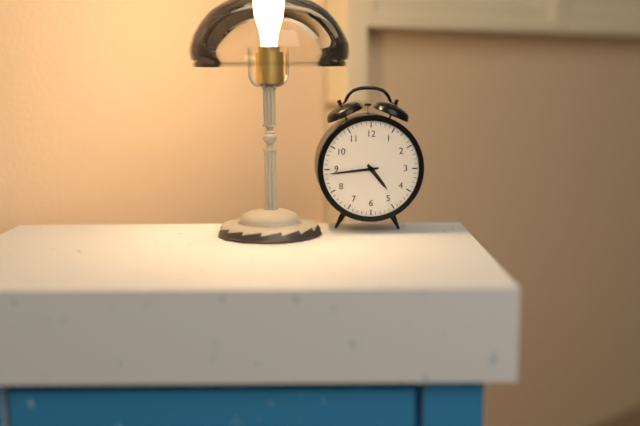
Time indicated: 4:44
